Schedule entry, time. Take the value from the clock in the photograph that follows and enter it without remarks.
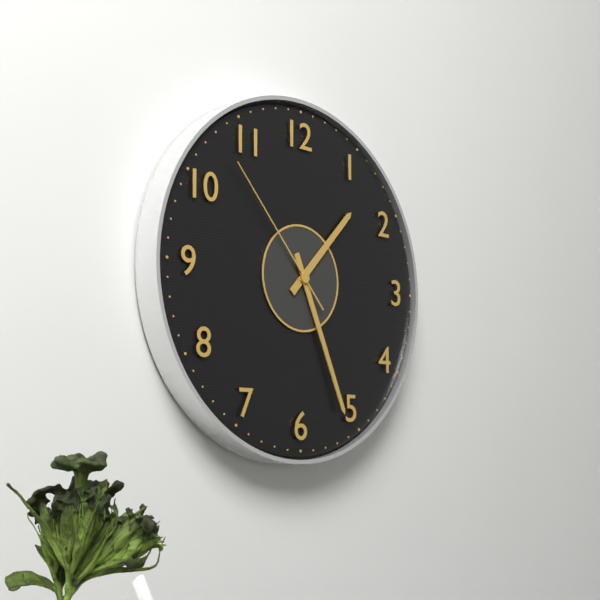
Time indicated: 1:26:53
